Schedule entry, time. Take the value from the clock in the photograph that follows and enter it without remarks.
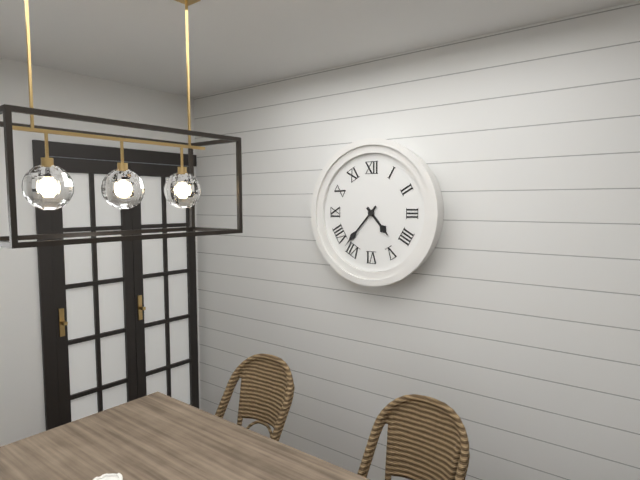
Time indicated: 4:37
